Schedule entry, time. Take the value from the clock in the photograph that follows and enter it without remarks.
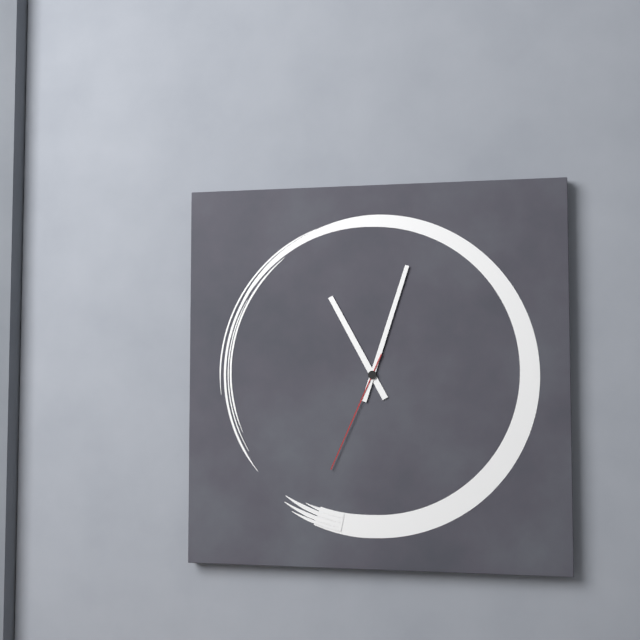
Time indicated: 11:03:34
